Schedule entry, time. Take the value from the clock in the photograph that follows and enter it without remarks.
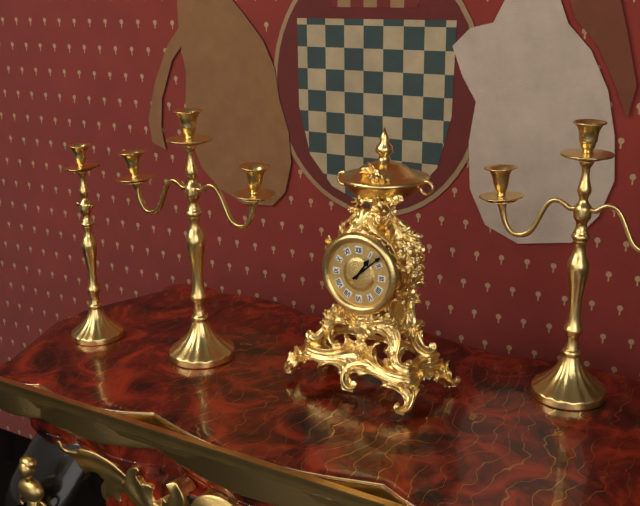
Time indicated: 1:08
